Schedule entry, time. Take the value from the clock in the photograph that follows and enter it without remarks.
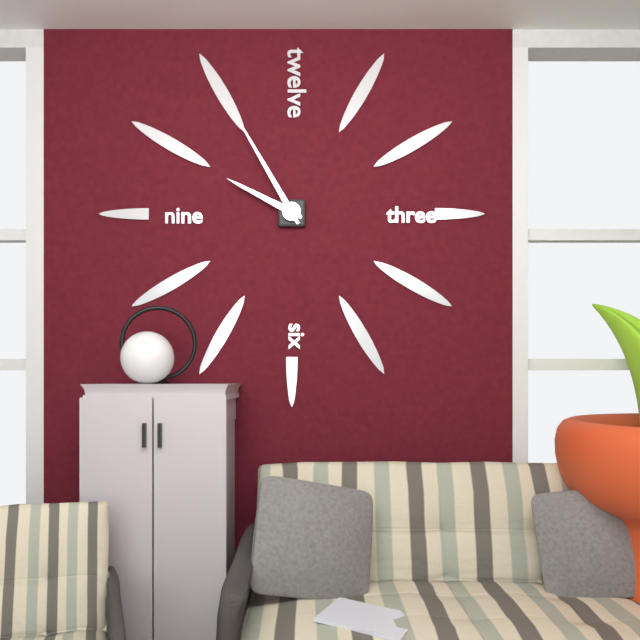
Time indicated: 9:55
